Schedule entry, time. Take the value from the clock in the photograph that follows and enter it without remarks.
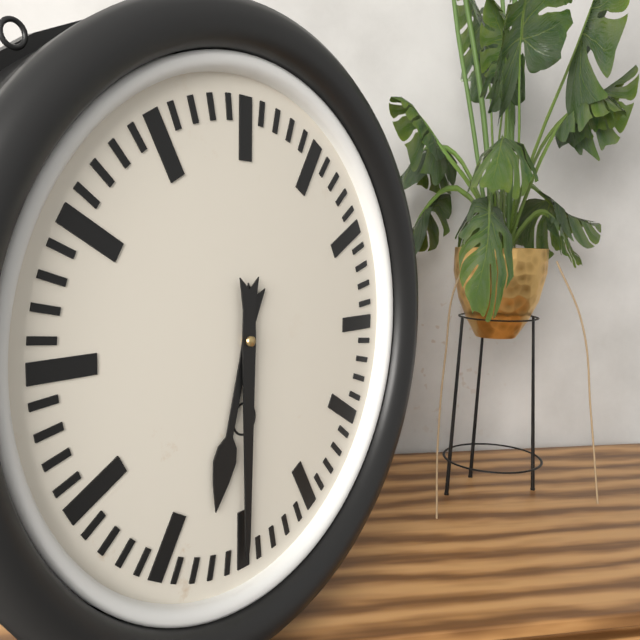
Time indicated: 6:30
